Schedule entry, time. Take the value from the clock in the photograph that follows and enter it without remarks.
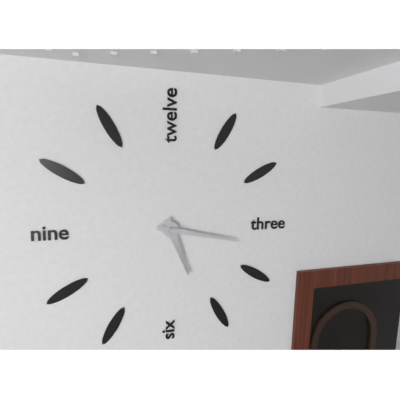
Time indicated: 5:17
